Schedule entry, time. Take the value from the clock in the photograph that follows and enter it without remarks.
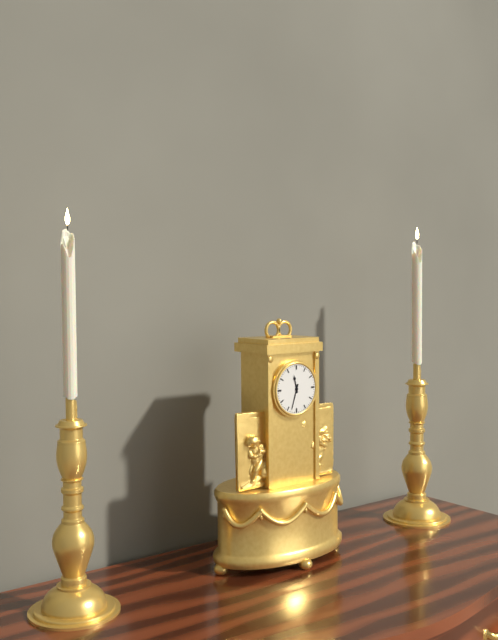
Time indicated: 11:33
